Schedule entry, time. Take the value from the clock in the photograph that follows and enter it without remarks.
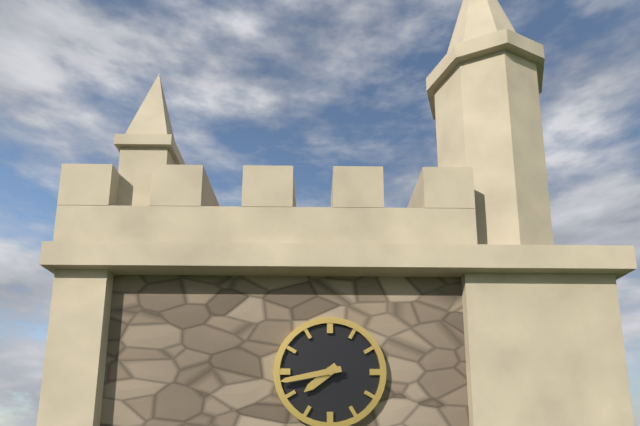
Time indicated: 7:43
